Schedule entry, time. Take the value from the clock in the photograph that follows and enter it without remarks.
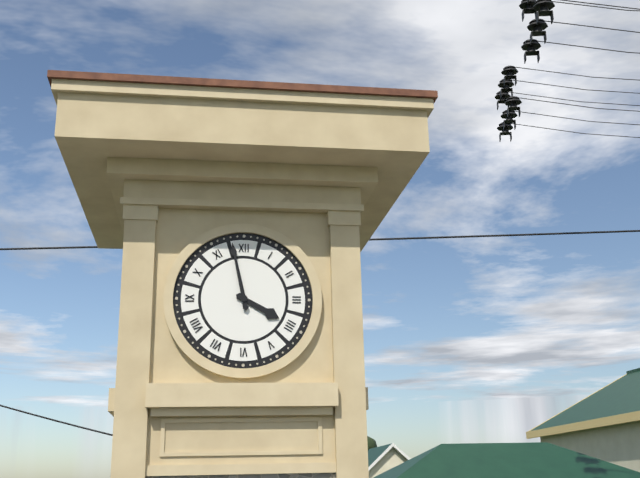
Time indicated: 3:58
